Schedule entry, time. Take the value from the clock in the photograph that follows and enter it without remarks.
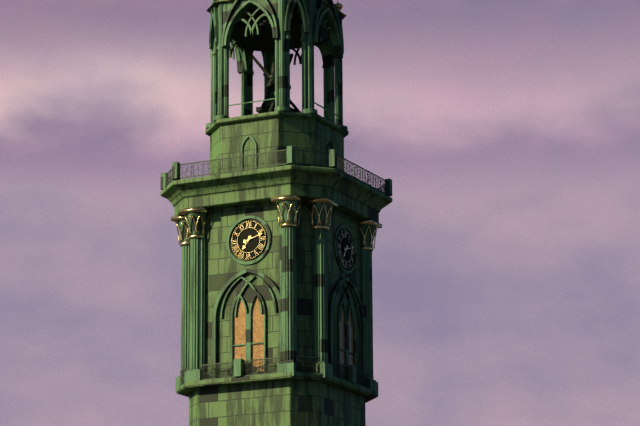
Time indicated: 7:12
